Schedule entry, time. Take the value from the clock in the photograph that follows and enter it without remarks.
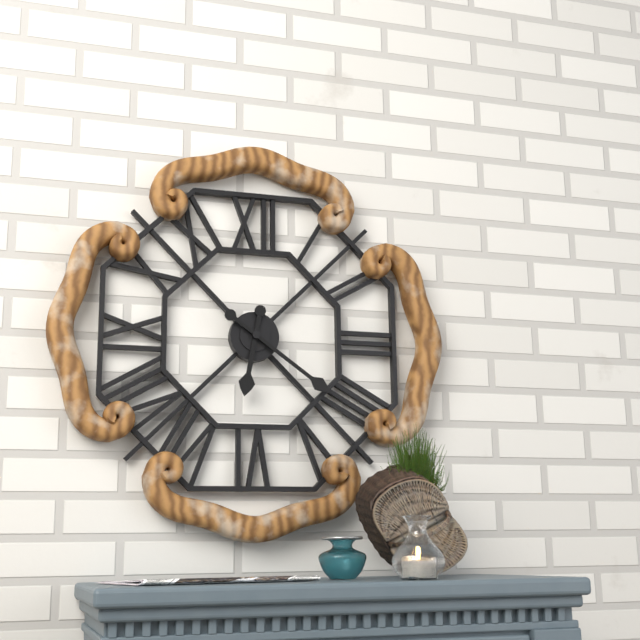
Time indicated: 6:21
